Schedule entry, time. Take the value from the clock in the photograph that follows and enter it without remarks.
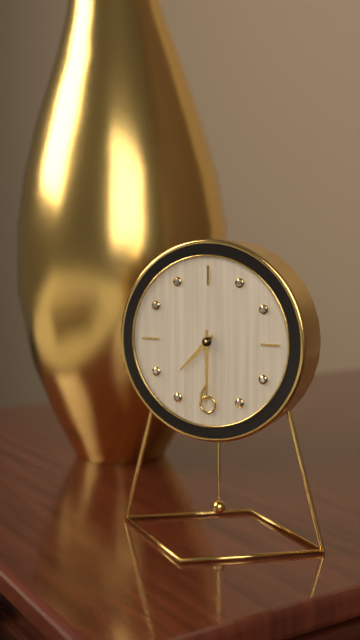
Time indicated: 7:30
